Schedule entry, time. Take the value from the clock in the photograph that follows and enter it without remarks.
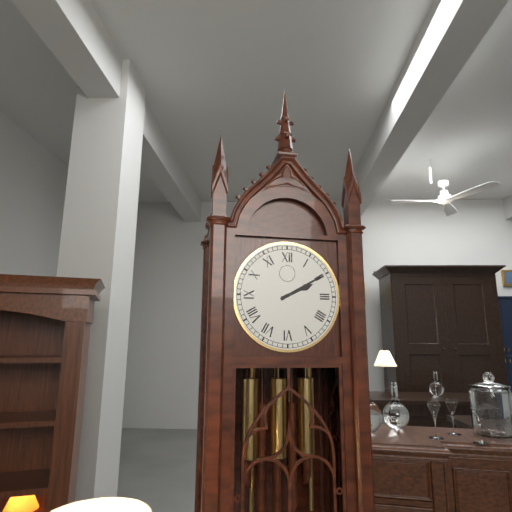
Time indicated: 2:10
